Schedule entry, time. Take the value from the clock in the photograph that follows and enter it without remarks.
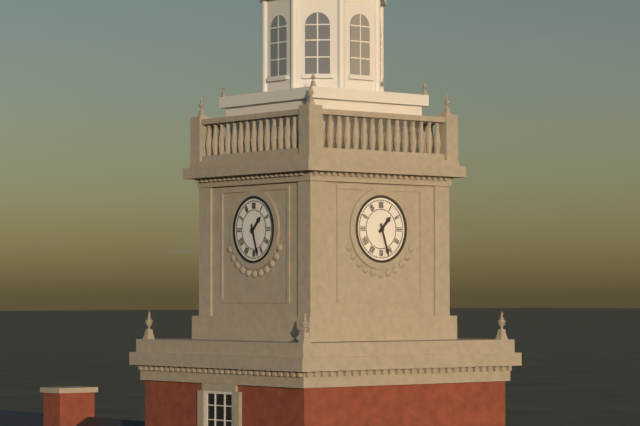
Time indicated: 1:27
